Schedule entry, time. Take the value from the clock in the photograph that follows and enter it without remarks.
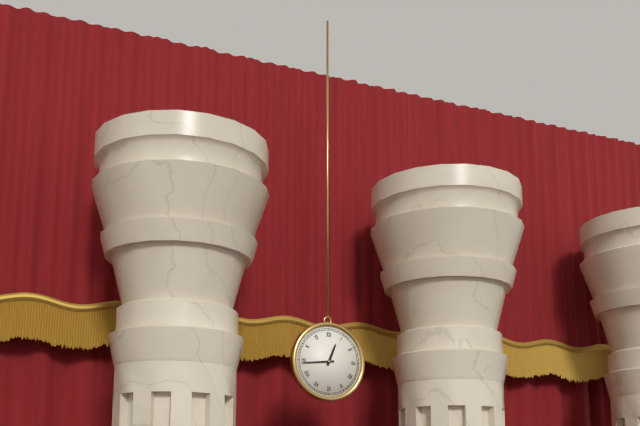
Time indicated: 12:44
